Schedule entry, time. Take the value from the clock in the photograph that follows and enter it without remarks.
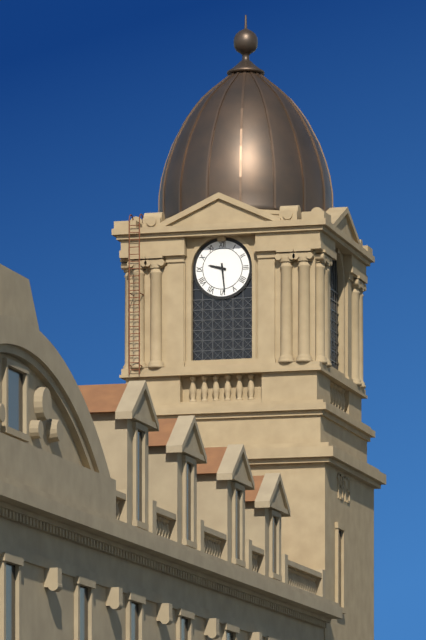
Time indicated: 9:29
